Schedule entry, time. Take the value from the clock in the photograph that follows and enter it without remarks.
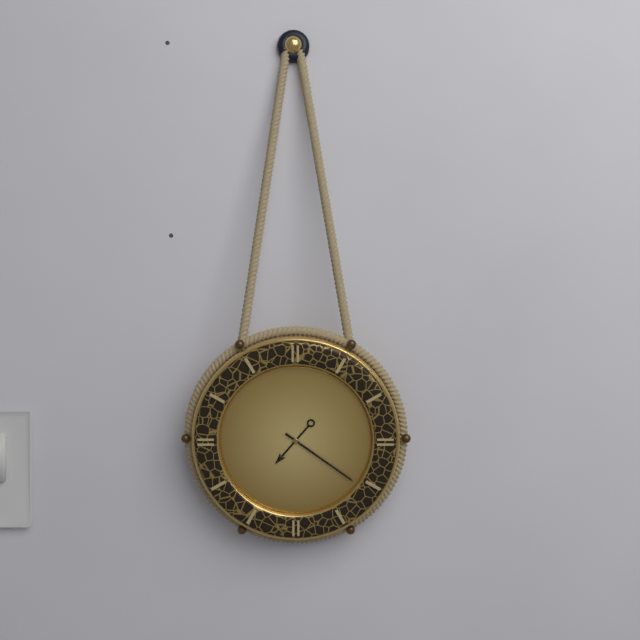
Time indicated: 7:21
